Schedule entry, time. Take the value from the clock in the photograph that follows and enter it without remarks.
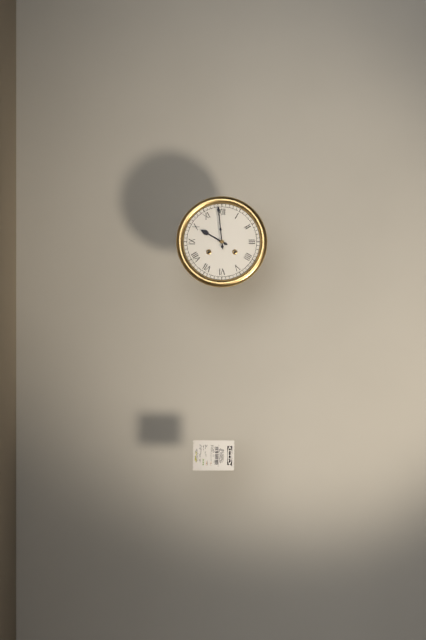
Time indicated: 9:59
